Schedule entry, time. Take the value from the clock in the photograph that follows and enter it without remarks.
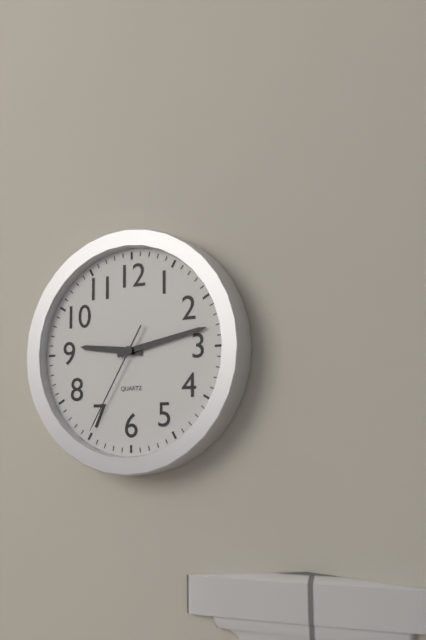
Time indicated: 9:13:35
